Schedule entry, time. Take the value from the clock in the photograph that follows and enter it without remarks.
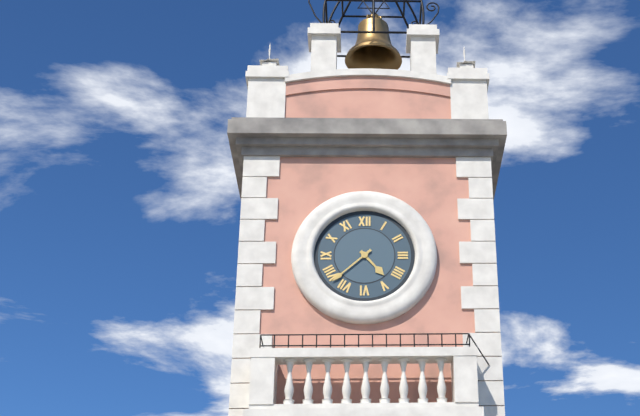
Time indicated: 4:38
